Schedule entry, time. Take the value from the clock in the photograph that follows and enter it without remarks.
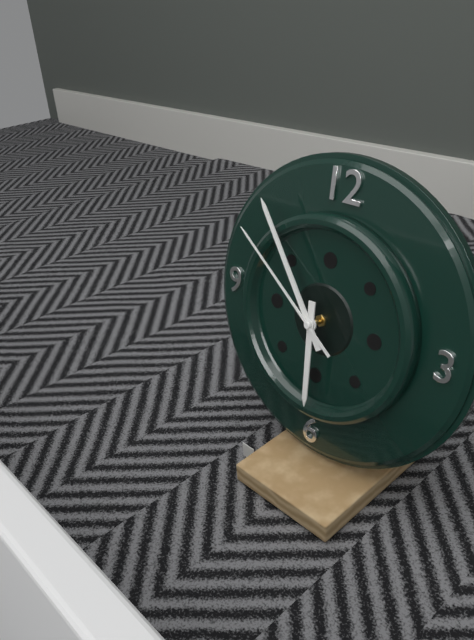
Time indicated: 5:54:51
